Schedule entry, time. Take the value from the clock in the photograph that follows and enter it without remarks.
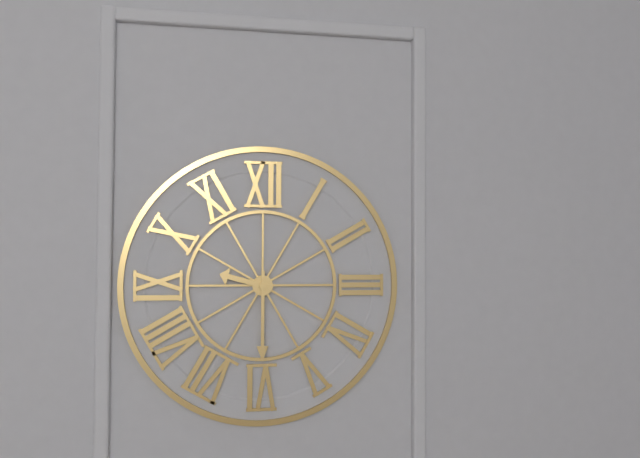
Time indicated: 9:30
